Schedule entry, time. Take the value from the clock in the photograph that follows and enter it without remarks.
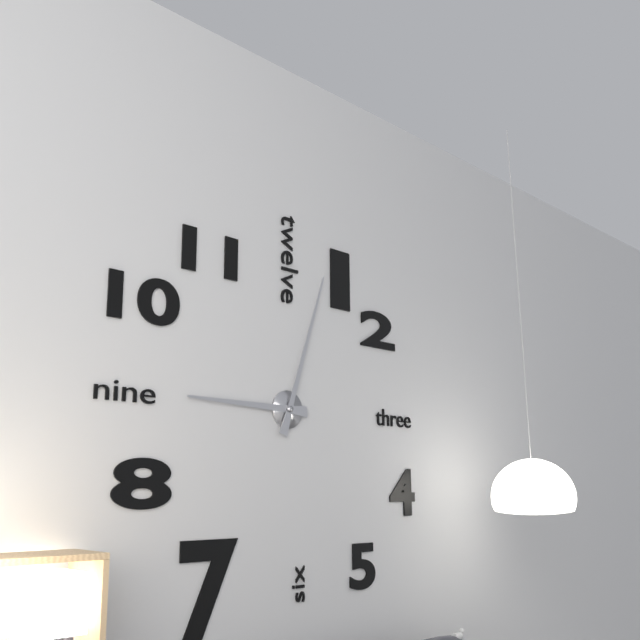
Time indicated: 9:03
